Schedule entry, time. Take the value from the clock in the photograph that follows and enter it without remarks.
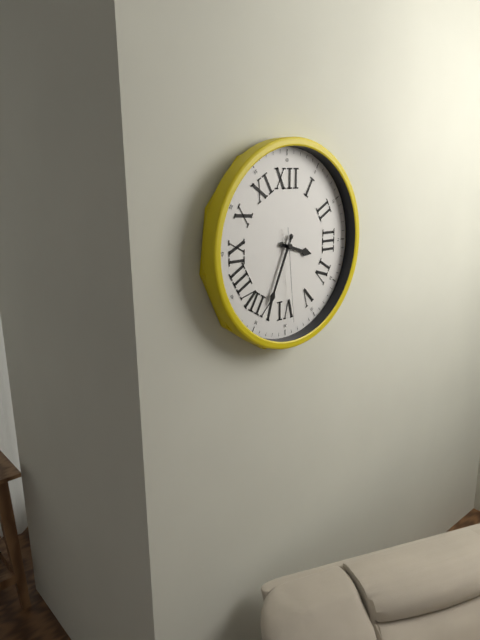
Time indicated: 3:34:29
